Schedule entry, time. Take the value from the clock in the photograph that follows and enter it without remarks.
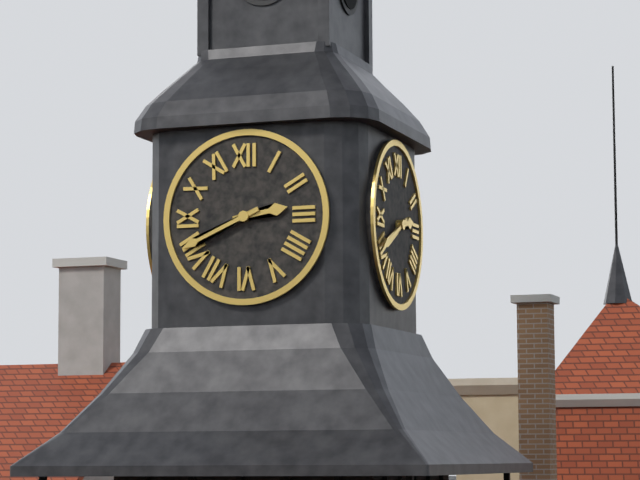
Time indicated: 2:41
